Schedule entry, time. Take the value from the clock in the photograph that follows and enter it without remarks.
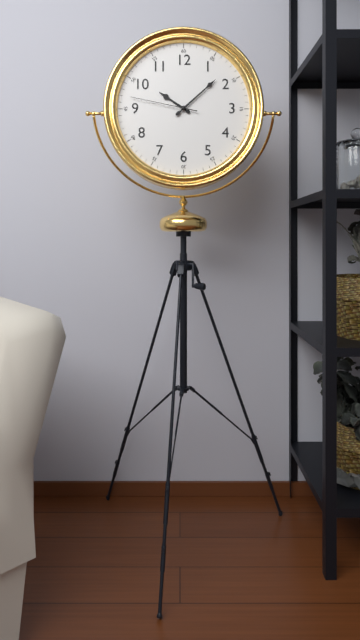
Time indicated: 10:08:47
